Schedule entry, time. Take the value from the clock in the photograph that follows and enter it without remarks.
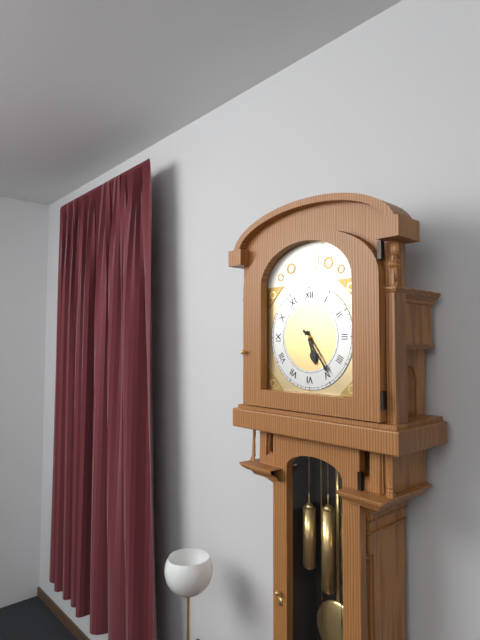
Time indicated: 5:24
